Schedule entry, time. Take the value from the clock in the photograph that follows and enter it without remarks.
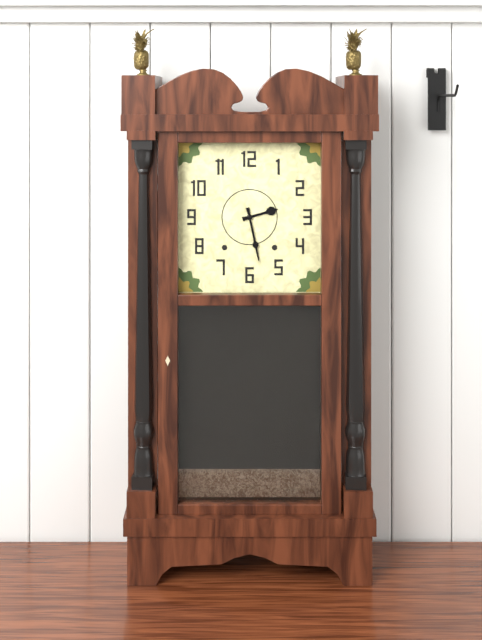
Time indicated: 2:28
